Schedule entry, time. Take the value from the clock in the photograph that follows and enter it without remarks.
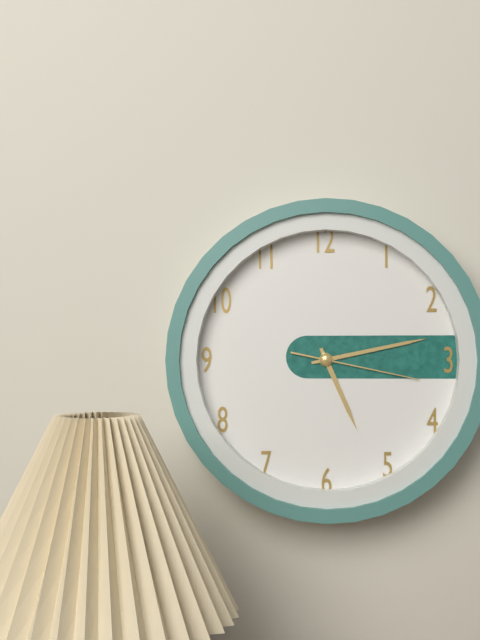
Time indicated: 5:13:17
